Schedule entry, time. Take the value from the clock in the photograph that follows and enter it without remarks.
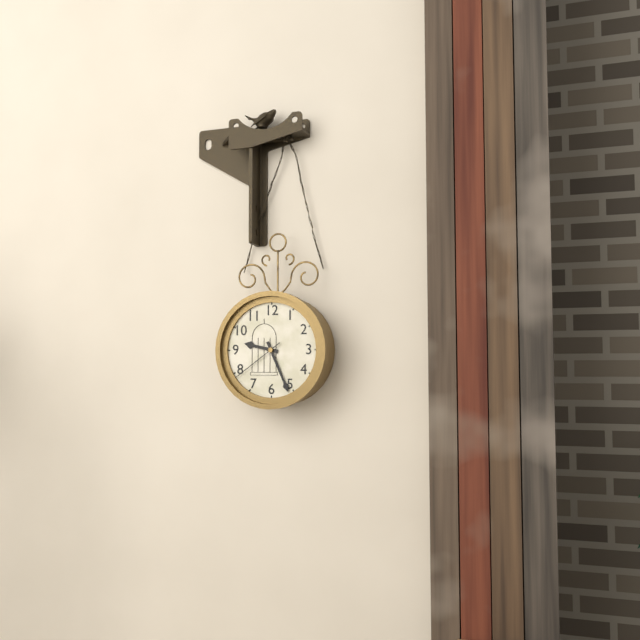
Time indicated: 9:26:39
